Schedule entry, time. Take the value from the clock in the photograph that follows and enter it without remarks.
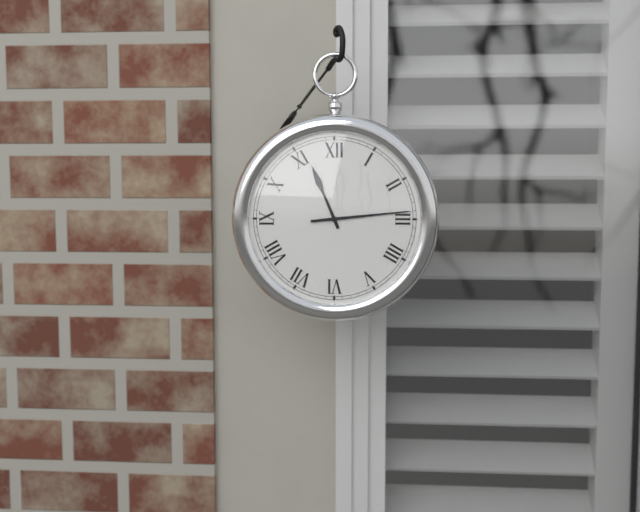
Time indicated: 11:14
